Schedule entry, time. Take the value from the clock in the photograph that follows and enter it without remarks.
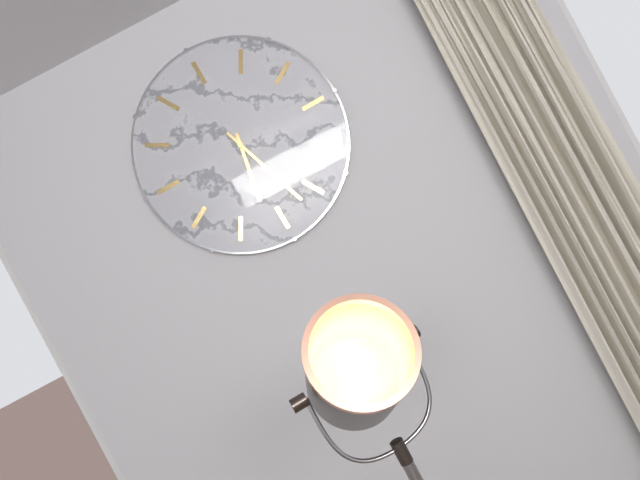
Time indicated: 5:22
